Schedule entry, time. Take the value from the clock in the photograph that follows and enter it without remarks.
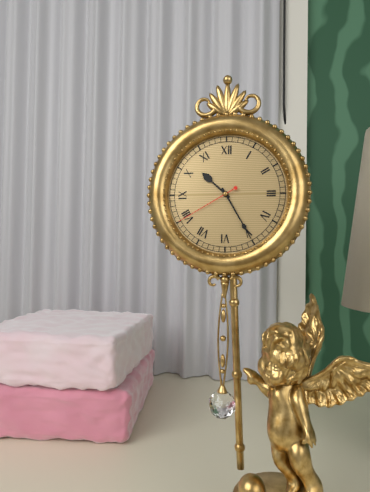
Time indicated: 10:25:40
